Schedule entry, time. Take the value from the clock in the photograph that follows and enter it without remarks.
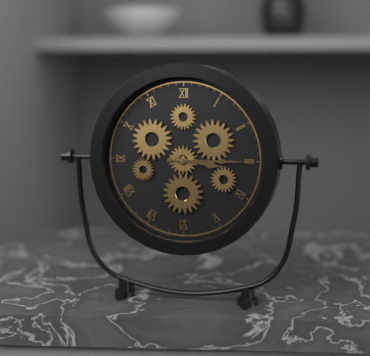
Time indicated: 3:15
